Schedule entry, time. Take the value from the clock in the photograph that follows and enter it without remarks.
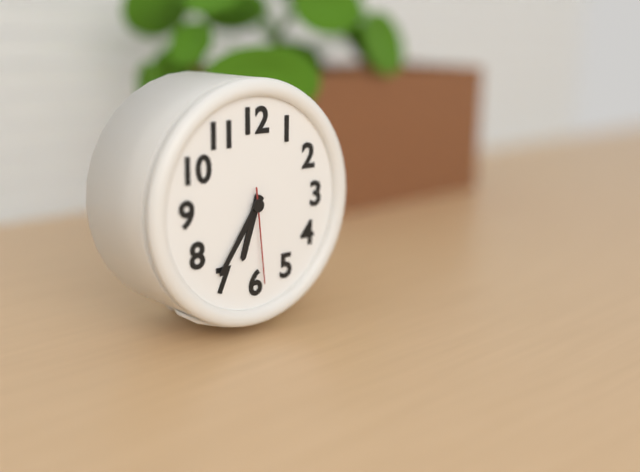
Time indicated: 6:36:29
